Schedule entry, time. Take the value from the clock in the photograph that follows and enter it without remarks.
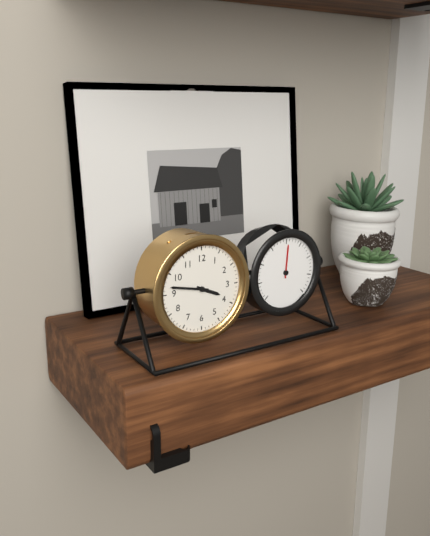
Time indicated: 3:47
